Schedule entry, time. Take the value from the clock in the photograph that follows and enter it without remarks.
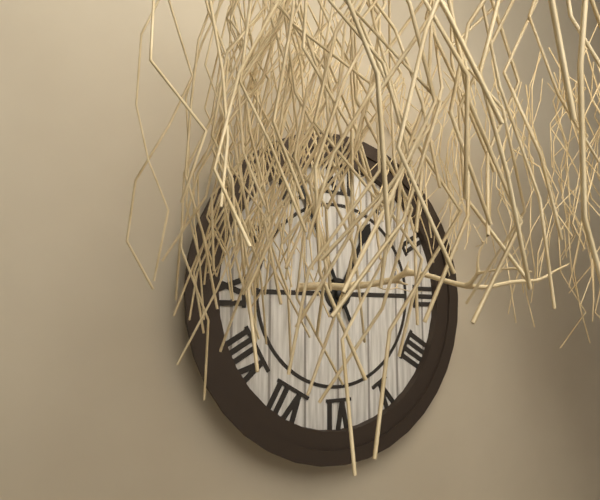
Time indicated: 12:56
